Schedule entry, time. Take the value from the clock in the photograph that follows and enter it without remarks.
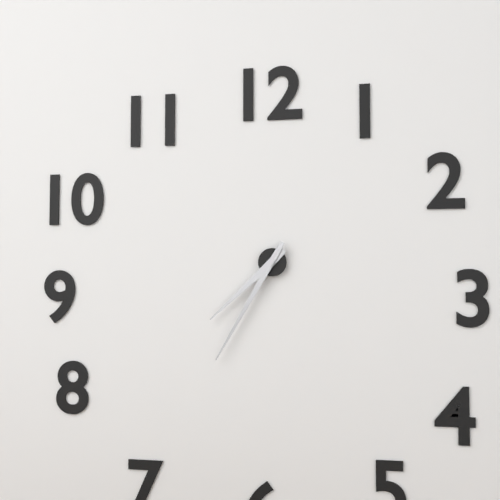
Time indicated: 7:35
